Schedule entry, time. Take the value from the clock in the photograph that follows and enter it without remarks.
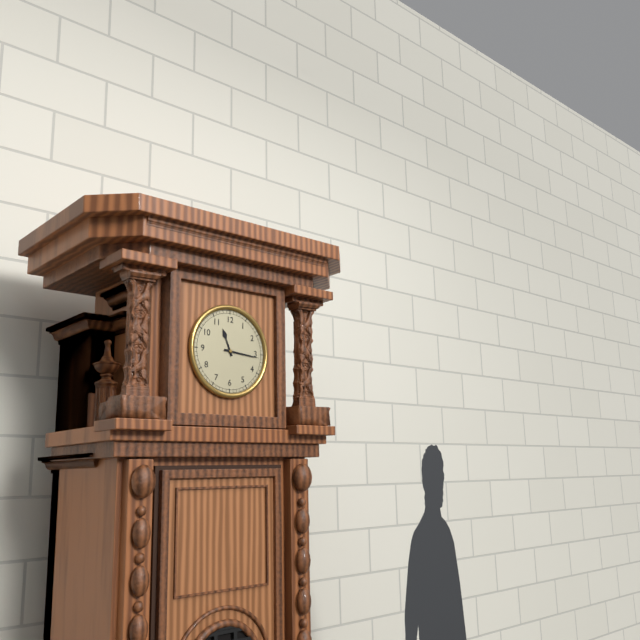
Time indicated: 11:16
